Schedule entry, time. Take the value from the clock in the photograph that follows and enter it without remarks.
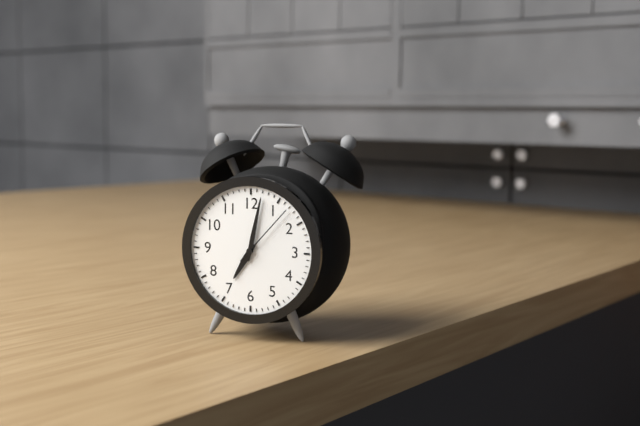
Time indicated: 7:02:07
